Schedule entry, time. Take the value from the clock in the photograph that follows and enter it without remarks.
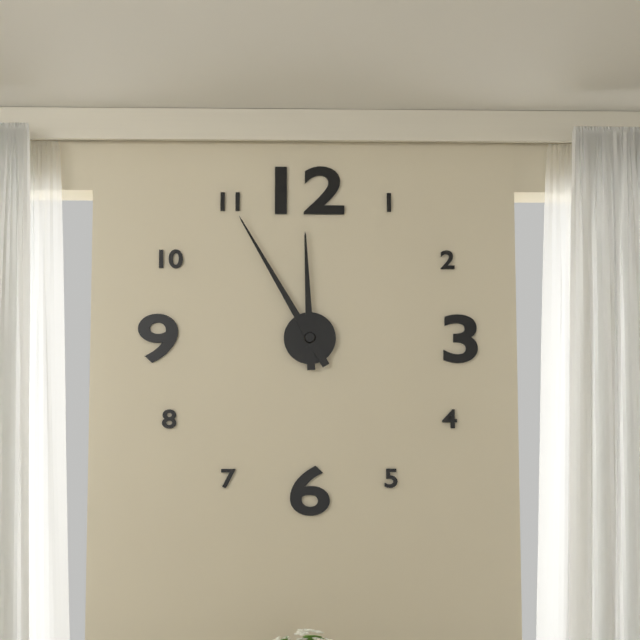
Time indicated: 11:55
